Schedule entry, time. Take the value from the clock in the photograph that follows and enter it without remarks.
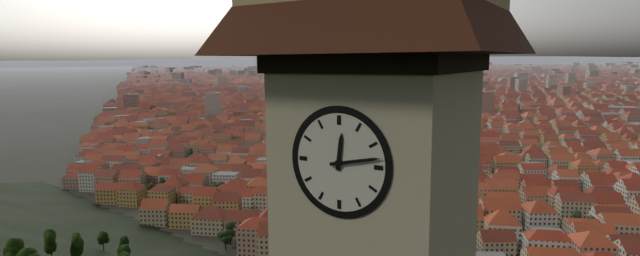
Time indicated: 12:13
